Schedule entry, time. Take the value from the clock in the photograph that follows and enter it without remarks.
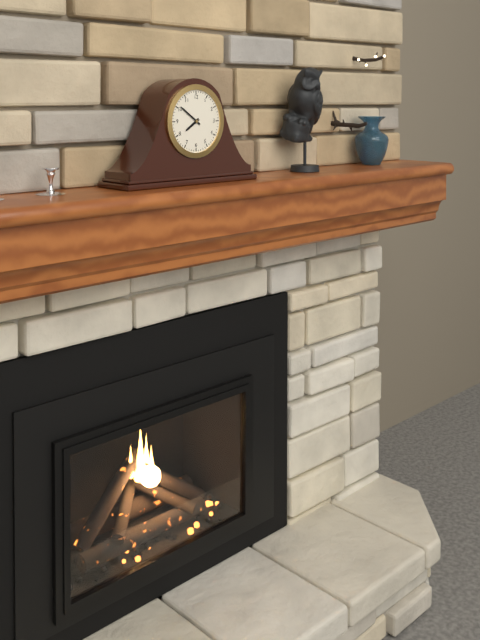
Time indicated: 7:51
